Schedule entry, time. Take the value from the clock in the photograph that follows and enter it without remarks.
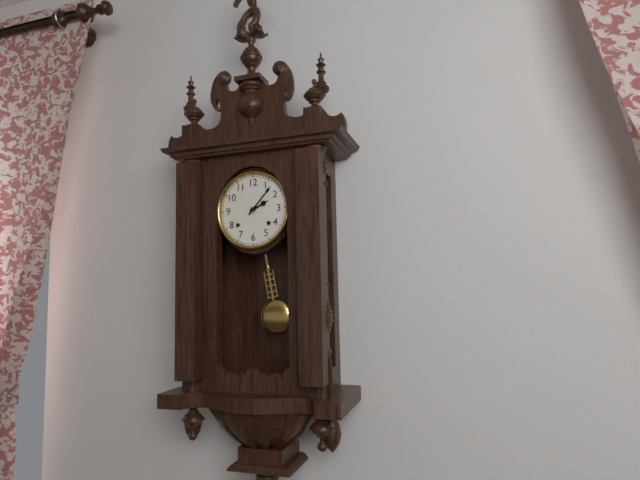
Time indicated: 2:07
